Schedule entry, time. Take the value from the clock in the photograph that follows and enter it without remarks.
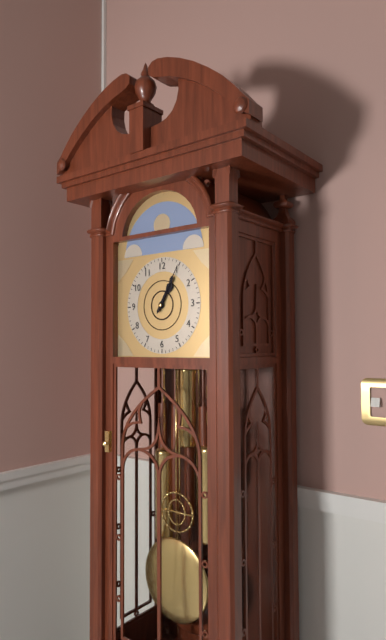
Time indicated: 1:05
